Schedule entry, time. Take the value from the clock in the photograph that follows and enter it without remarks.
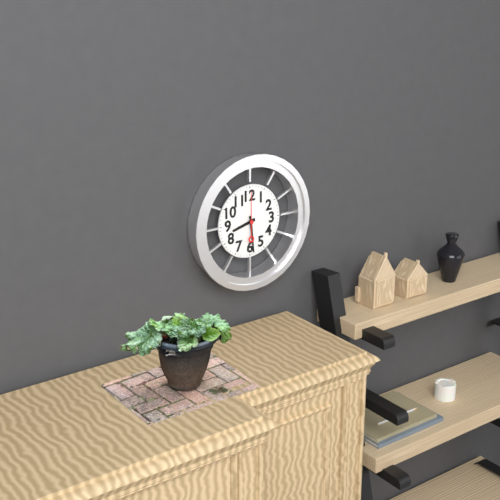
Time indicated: 8:29
